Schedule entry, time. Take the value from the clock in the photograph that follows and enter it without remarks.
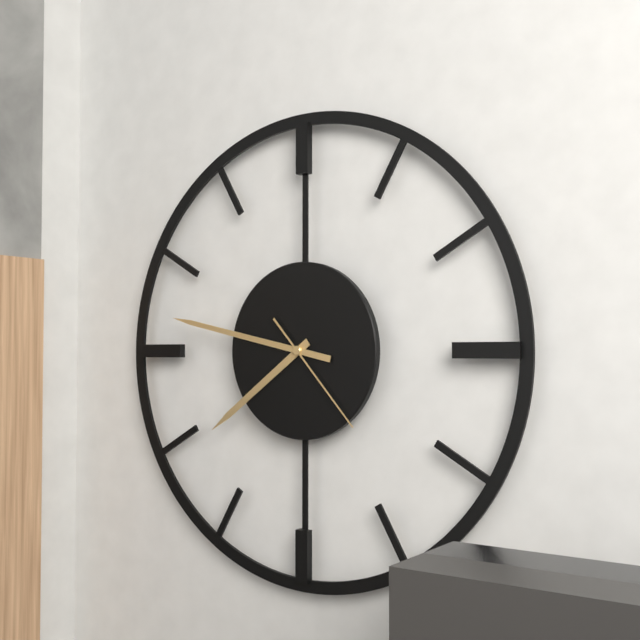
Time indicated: 7:47:23
